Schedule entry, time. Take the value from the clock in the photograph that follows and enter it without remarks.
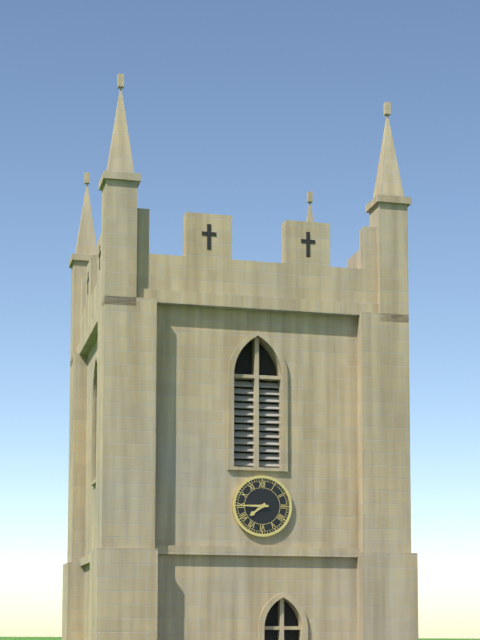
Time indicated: 7:45
